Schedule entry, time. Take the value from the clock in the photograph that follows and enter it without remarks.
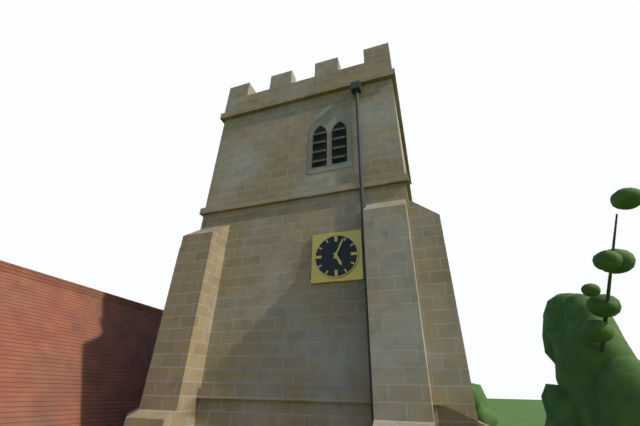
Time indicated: 5:04
